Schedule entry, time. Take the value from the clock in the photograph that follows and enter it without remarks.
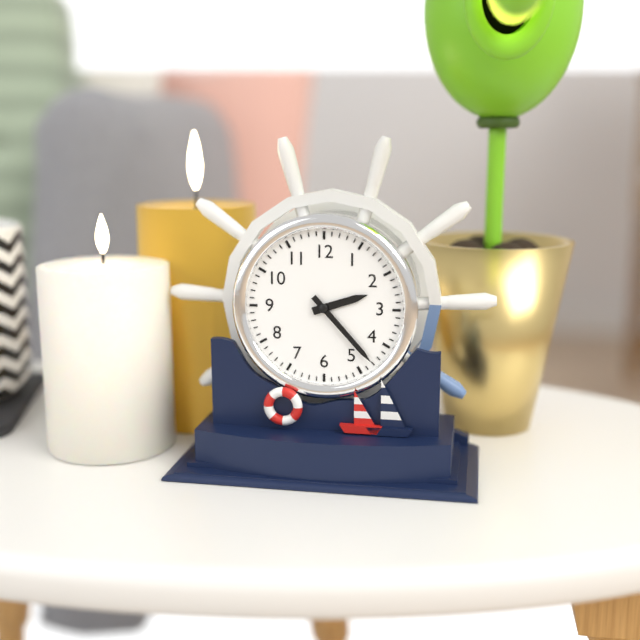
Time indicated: 2:23
